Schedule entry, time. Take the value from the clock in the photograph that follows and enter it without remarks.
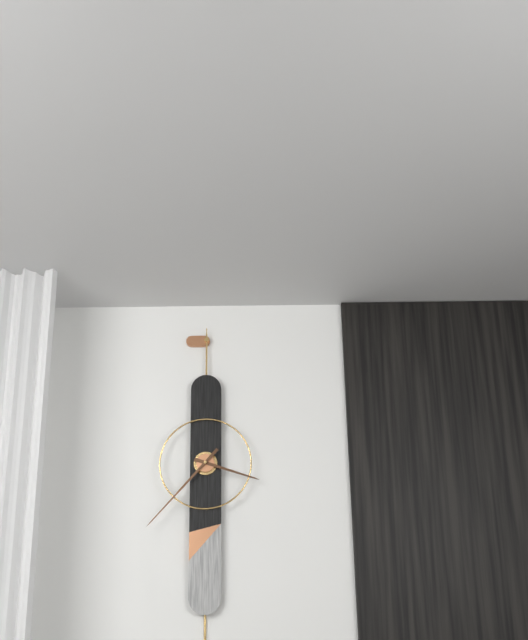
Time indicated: 3:37
